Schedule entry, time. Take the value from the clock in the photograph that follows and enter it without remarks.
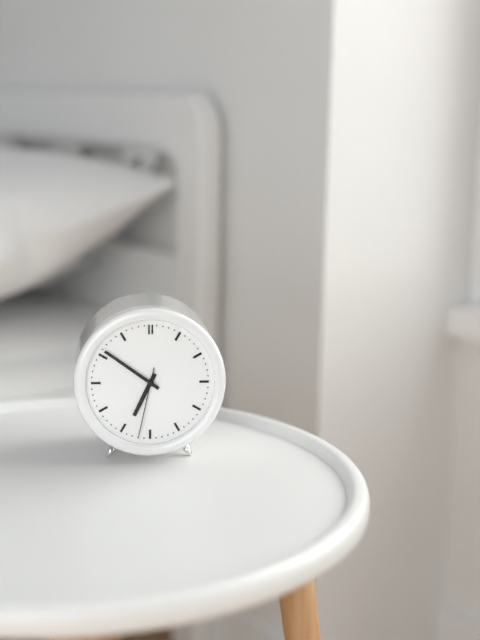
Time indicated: 6:51:32
